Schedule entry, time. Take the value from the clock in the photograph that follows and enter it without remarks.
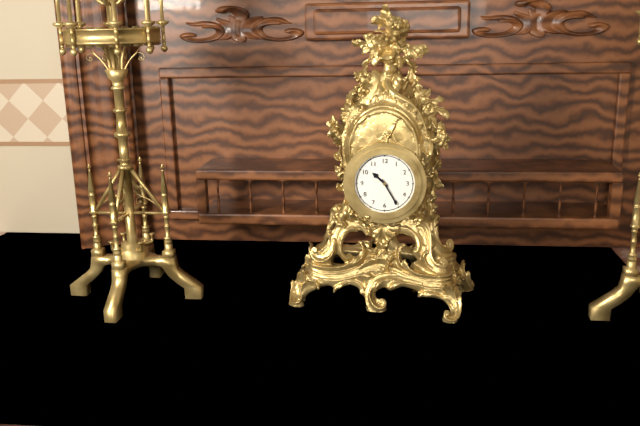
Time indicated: 10:25
